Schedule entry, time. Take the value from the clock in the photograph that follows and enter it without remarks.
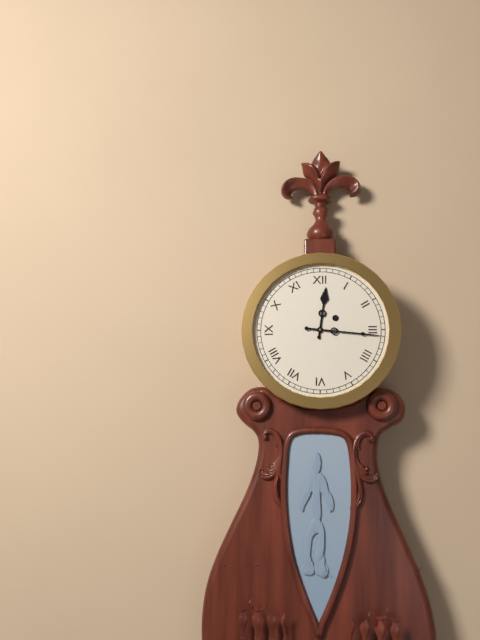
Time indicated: 12:16
